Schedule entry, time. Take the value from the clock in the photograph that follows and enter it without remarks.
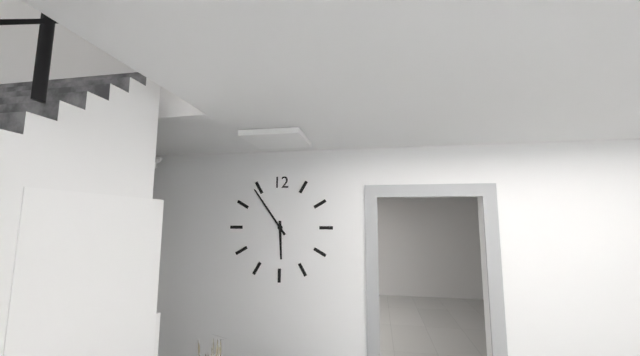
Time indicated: 5:54
